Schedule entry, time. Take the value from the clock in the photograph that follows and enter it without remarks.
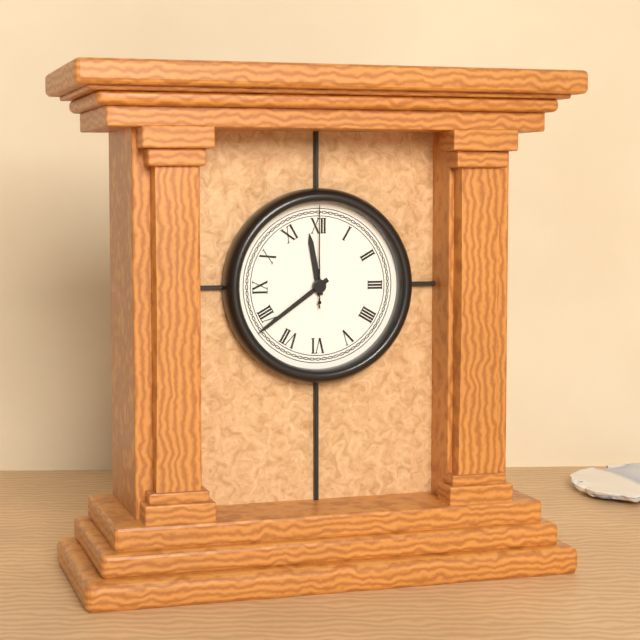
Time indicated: 11:39:00
